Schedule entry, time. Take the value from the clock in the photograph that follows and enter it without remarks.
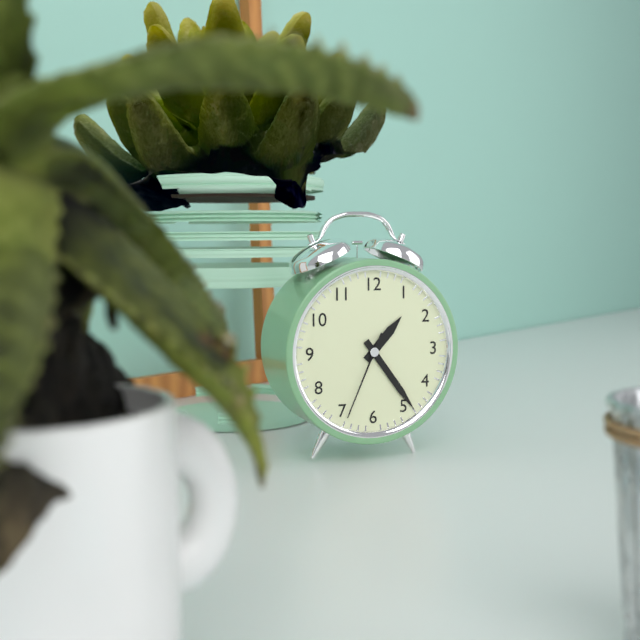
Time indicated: 1:24:34
